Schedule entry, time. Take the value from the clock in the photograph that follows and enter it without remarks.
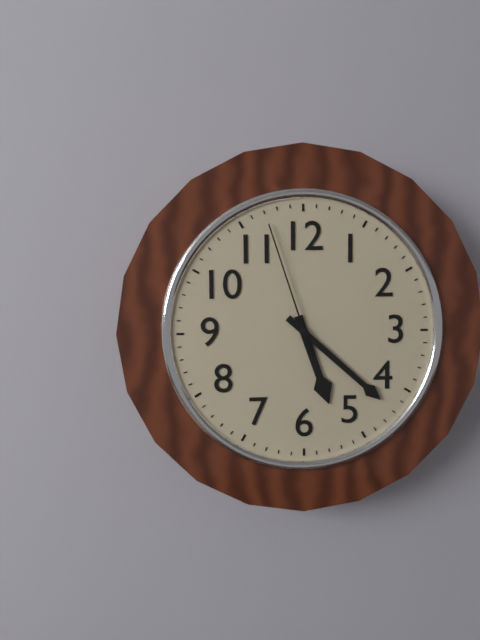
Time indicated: 5:22:57
